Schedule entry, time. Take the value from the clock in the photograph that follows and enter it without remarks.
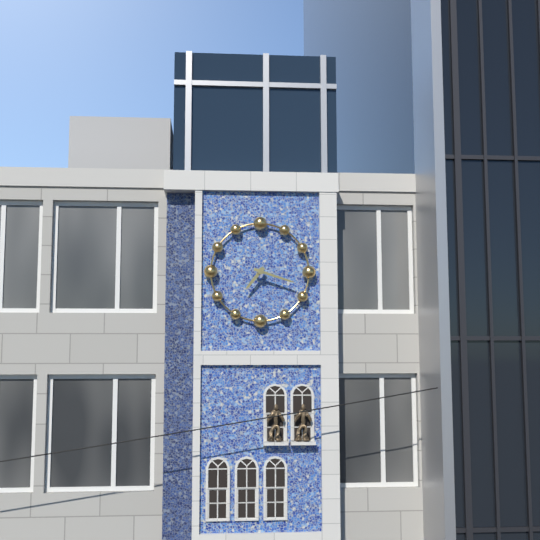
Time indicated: 7:18
